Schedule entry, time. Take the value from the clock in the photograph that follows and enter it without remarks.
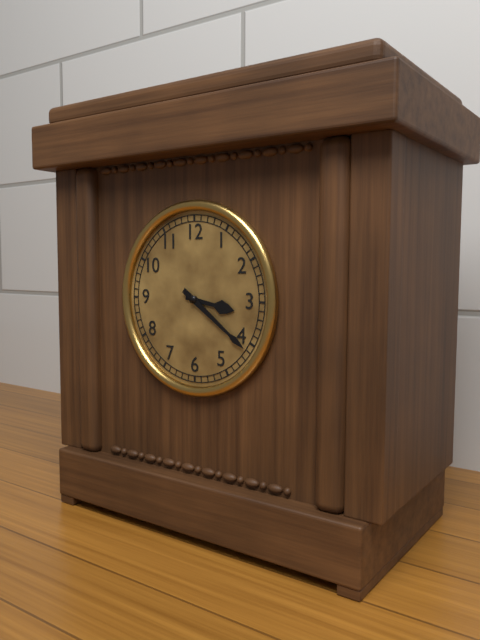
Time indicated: 3:21
